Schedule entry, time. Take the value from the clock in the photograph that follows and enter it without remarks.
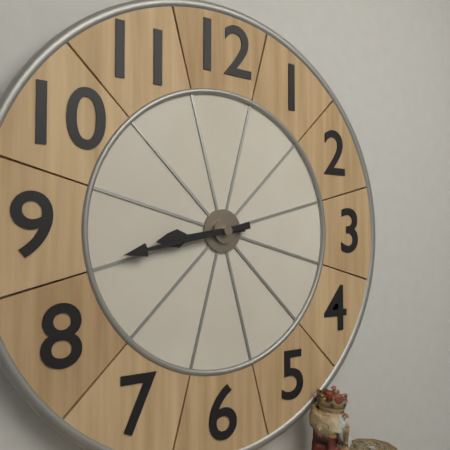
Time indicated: 8:43
